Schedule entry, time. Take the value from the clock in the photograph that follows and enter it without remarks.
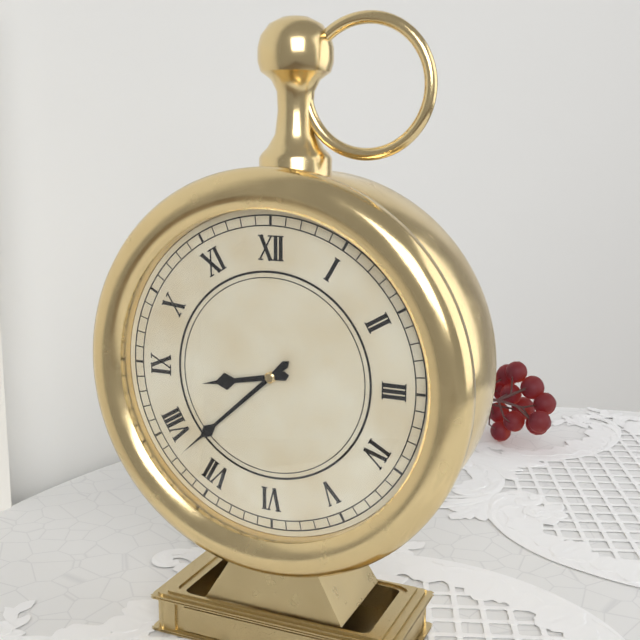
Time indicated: 8:38
